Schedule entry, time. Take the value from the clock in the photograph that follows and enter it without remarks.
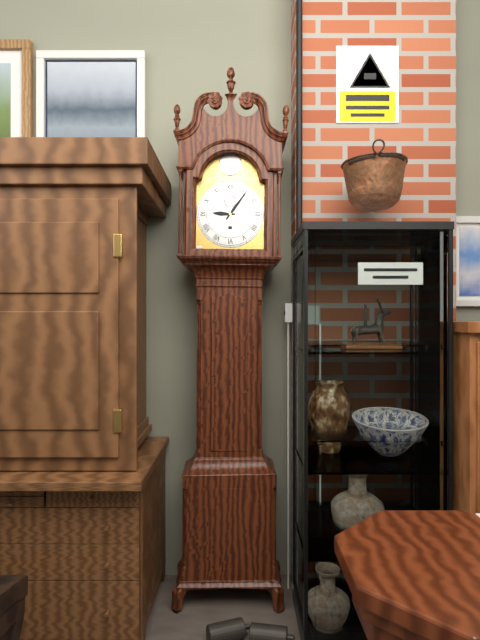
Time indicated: 9:06
